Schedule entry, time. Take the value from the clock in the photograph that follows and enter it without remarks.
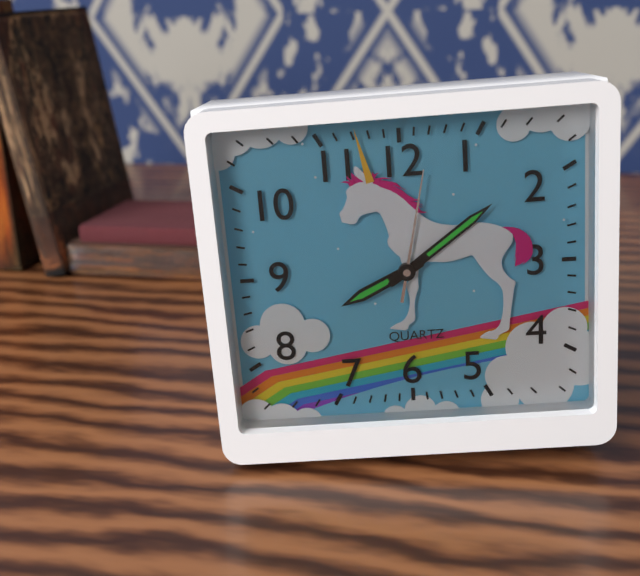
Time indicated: 8:09:02
